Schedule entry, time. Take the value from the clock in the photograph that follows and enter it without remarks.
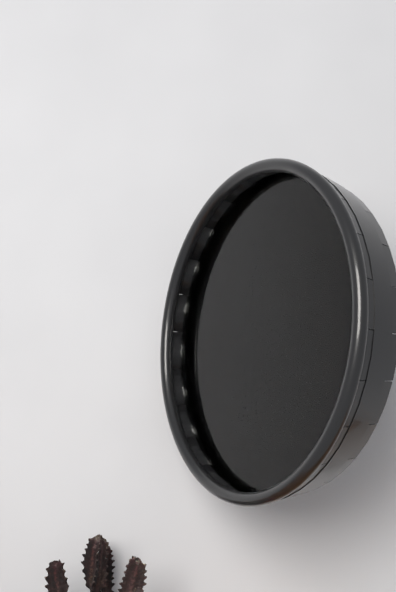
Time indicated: 8:19
